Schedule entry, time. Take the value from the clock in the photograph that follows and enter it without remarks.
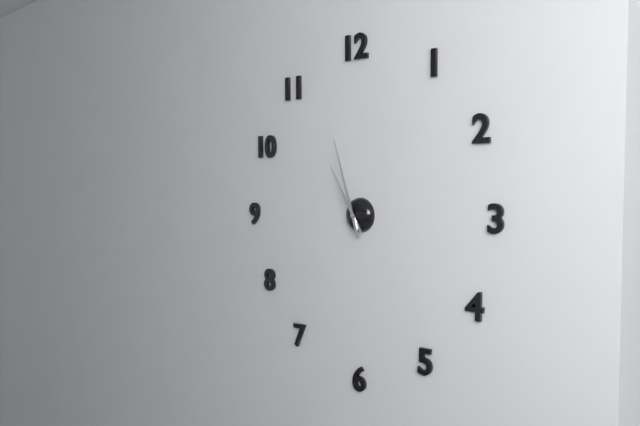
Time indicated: 10:57
